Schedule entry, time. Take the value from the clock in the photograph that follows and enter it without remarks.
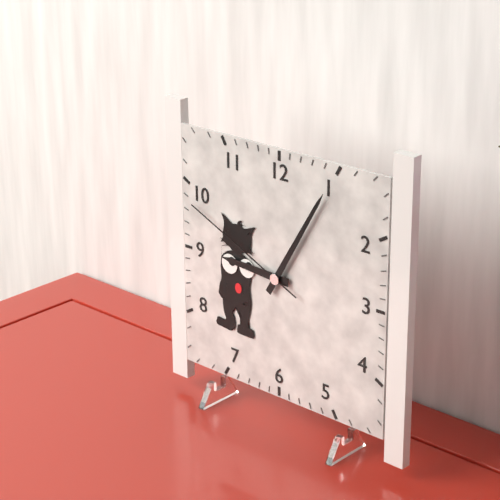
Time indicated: 9:05:49
